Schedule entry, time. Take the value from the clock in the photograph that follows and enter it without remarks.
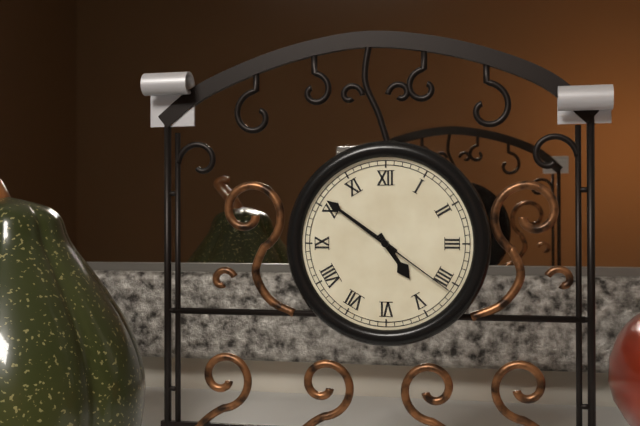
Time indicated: 4:51:21
